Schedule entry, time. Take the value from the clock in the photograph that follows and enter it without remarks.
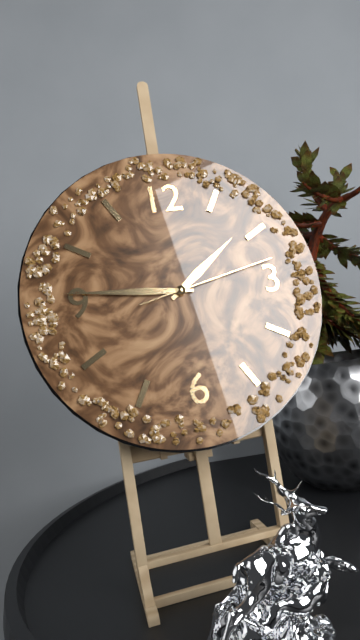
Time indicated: 1:46:13
